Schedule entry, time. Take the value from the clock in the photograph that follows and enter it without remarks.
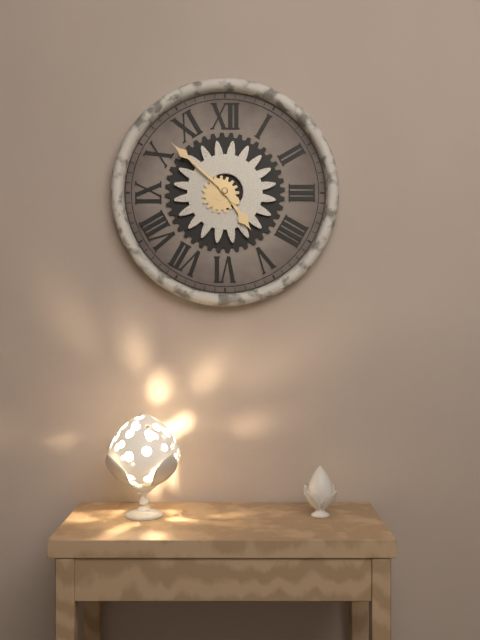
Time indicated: 4:52
